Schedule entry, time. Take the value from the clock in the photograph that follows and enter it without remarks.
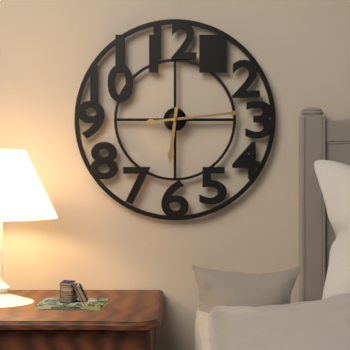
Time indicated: 6:14
